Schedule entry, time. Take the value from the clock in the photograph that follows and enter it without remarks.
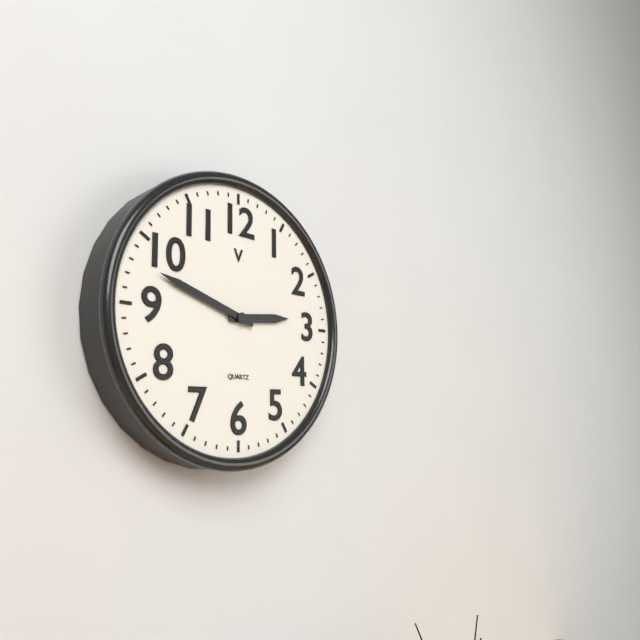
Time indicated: 2:48
